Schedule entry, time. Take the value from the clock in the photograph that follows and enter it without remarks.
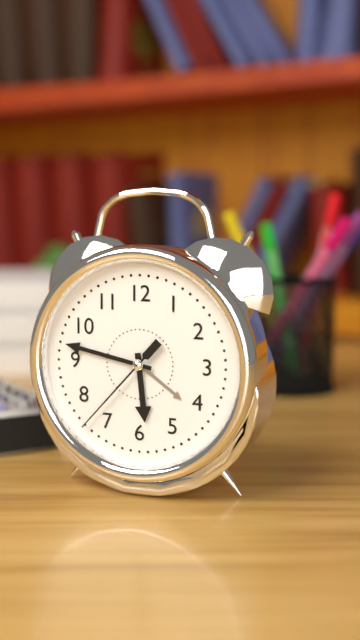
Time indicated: 5:47:37
